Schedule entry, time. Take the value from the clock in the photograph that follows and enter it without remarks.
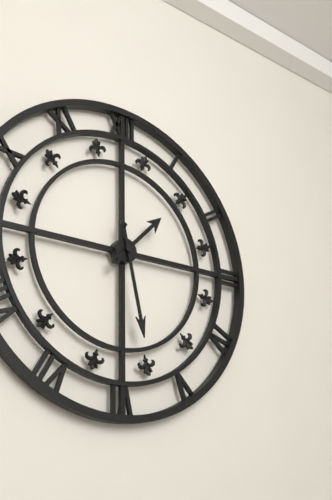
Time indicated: 1:28
